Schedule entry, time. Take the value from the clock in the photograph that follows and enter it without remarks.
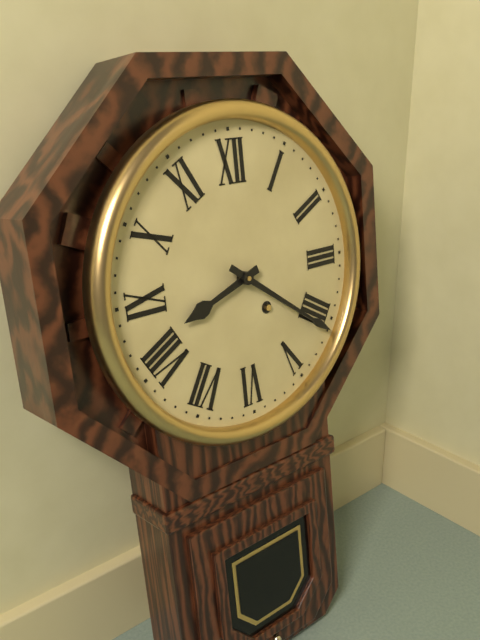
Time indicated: 8:21
